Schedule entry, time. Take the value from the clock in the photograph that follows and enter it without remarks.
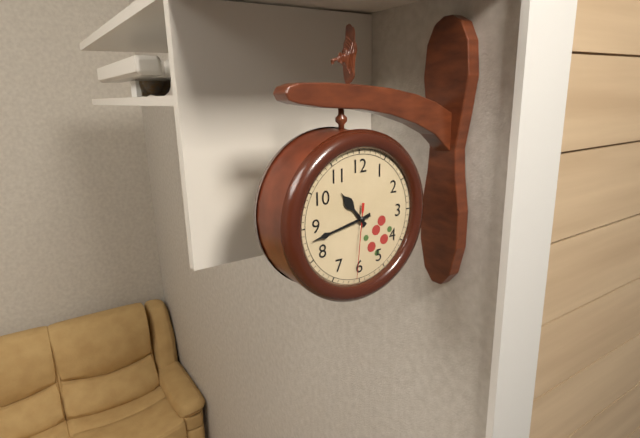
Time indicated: 10:43:31
